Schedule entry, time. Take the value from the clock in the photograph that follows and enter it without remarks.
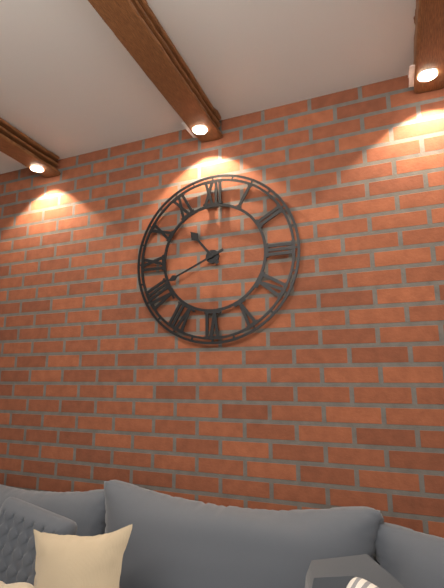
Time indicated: 10:41
